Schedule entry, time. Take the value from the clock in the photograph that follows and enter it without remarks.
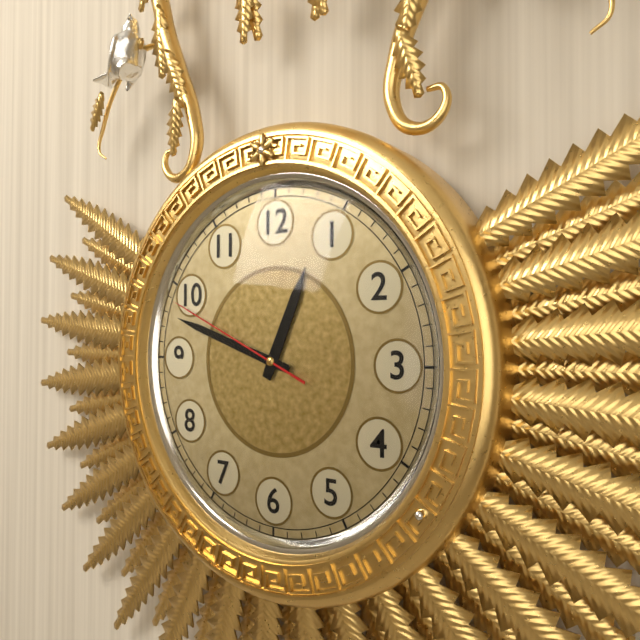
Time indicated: 12:48:49
